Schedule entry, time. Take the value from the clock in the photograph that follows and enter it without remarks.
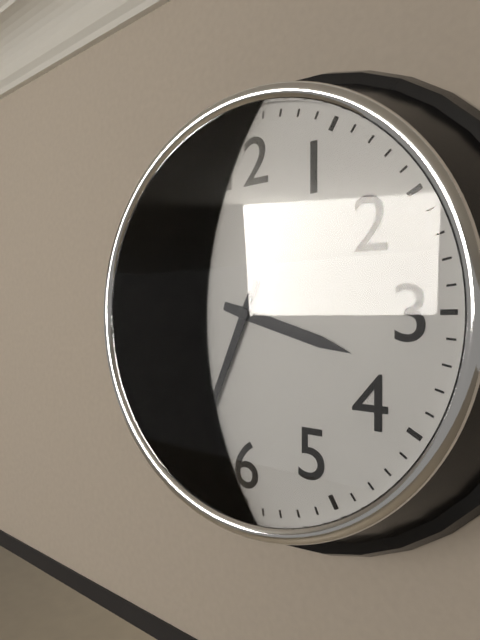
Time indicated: 3:34
